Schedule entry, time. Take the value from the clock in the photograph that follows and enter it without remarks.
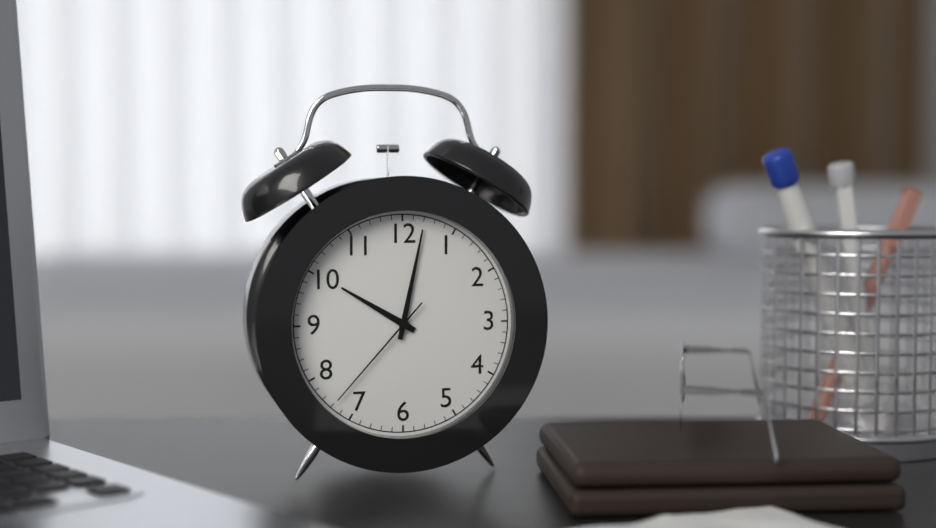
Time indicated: 10:02:37
